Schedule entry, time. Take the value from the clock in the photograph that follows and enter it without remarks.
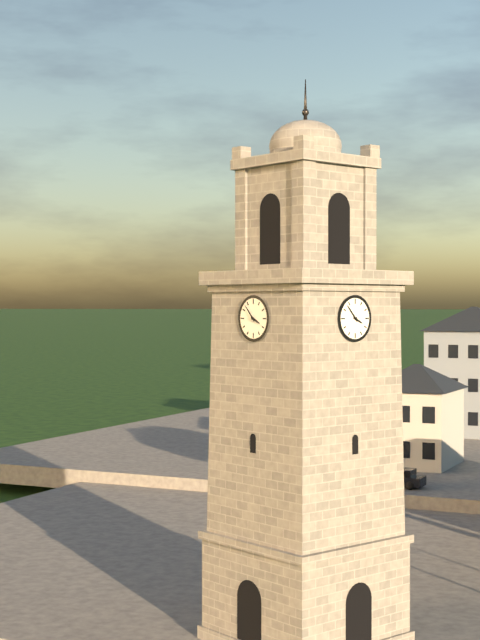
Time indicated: 3:53
